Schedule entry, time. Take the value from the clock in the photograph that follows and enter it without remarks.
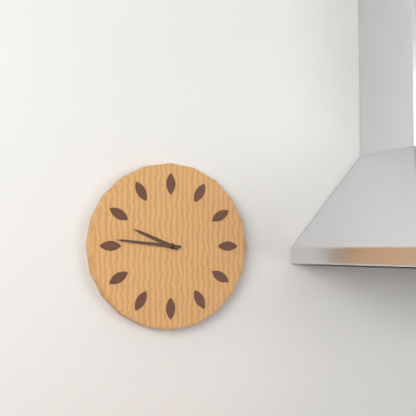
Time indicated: 9:46
